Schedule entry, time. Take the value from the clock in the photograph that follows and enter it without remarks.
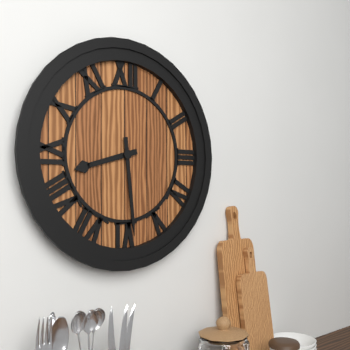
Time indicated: 8:29
